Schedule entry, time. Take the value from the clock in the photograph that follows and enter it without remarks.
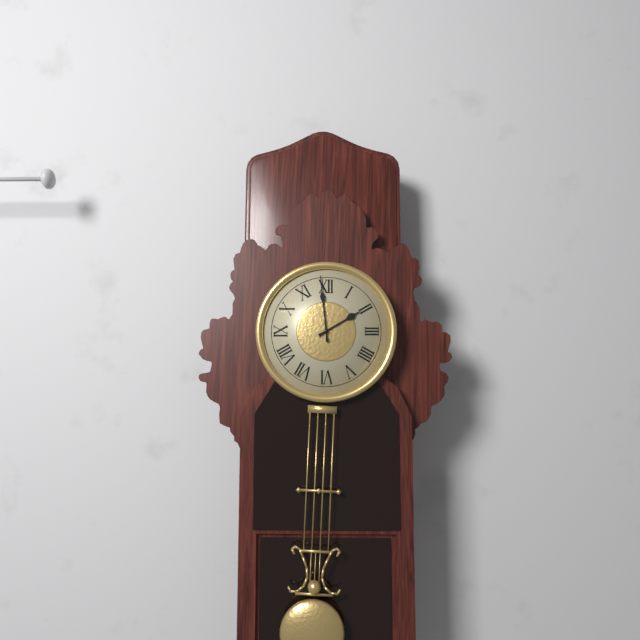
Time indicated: 1:59
